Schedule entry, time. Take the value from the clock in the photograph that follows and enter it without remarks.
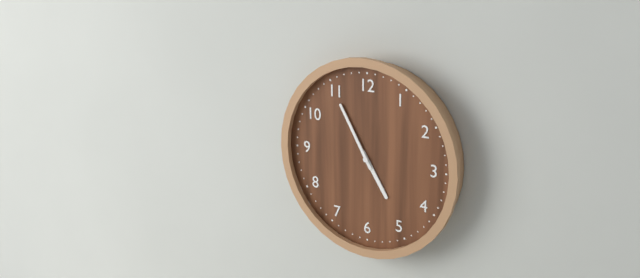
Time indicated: 4:55
